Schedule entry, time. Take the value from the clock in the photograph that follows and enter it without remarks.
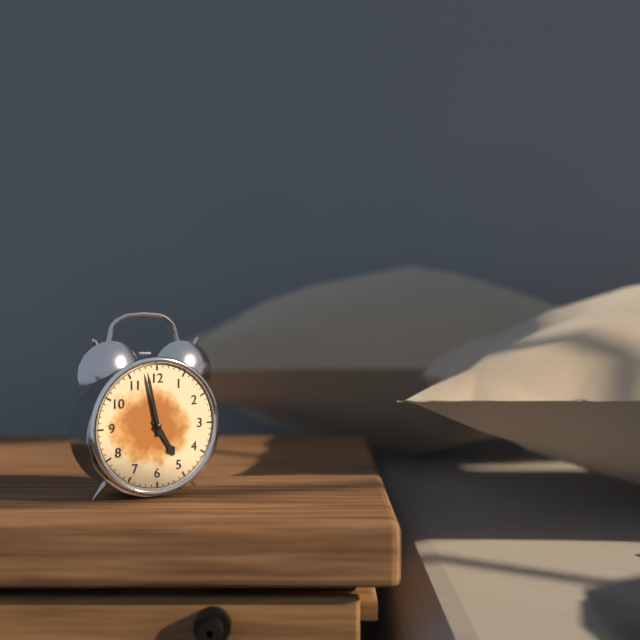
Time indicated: 4:58
